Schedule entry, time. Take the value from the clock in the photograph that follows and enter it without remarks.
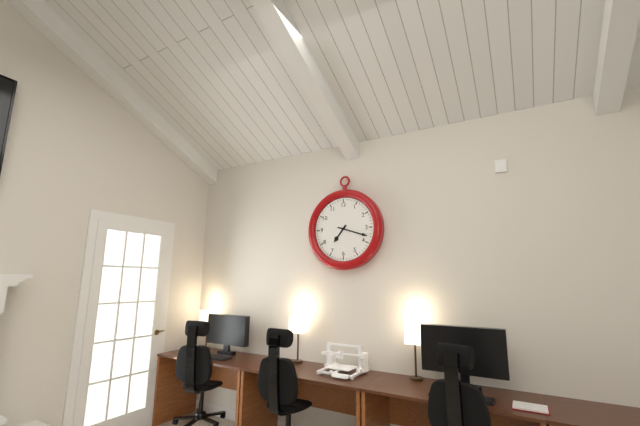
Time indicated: 7:18
